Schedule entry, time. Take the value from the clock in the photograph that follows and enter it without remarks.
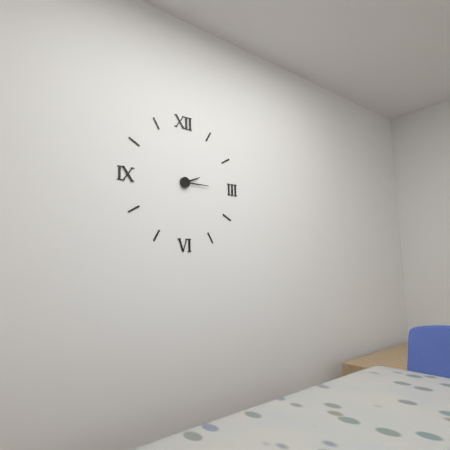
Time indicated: 2:15
